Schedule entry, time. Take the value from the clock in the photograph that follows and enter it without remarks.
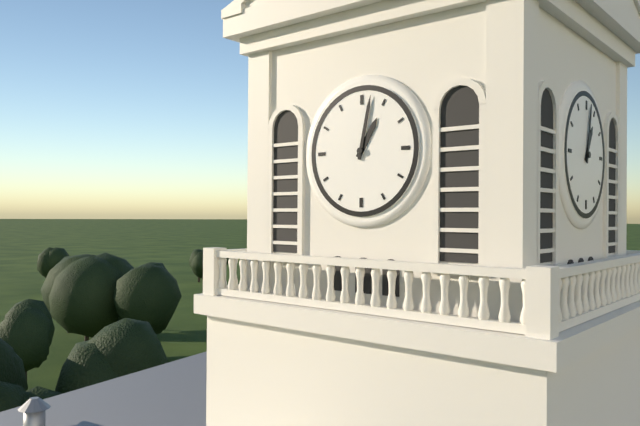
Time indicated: 1:02
